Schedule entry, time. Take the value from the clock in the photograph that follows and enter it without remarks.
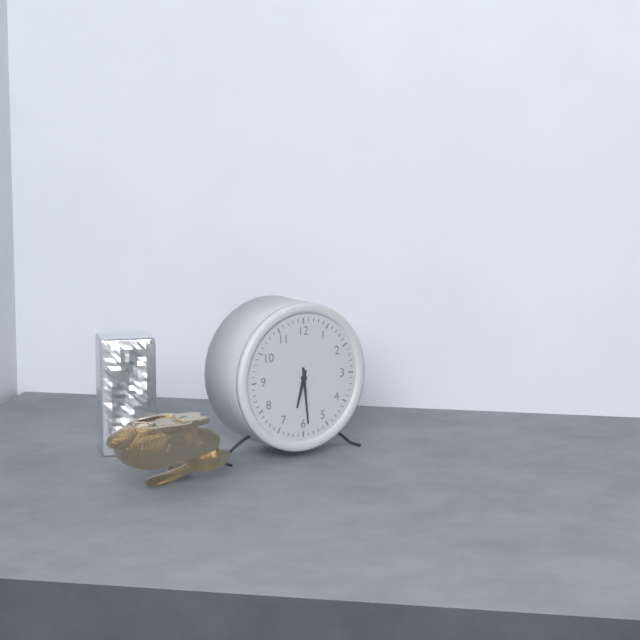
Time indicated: 6:29
